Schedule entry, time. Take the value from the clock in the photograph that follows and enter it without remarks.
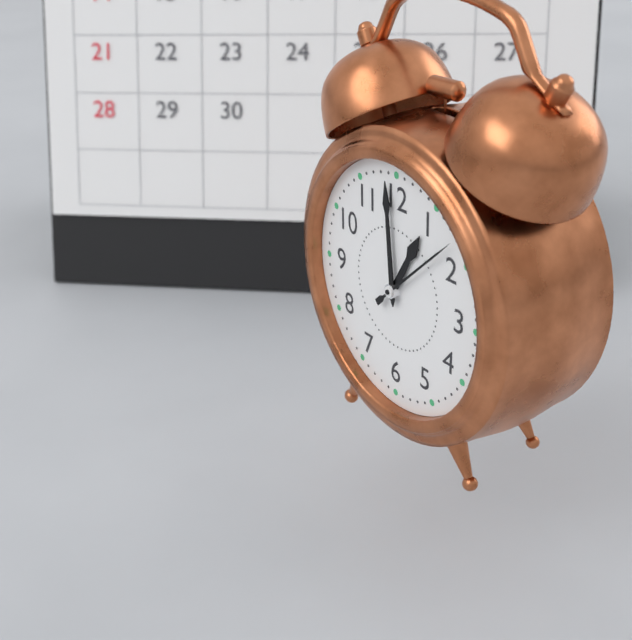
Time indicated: 12:59:08
